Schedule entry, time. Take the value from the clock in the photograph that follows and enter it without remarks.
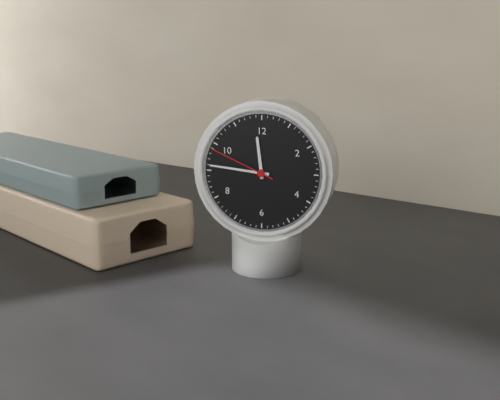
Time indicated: 11:46:49
